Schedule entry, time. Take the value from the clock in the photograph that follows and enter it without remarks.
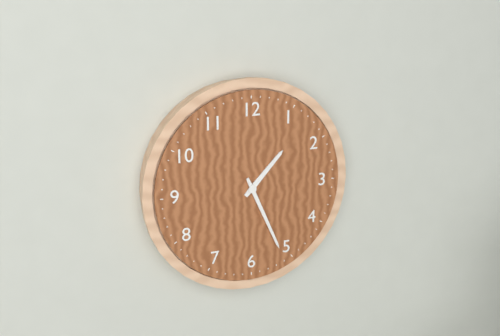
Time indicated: 1:26
